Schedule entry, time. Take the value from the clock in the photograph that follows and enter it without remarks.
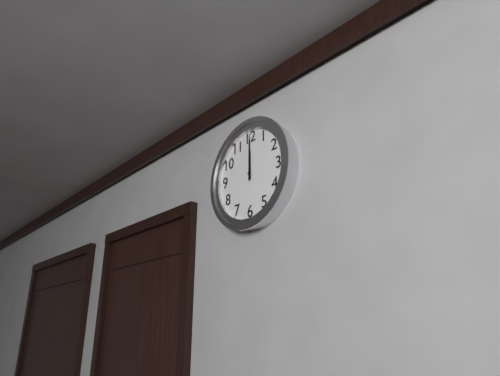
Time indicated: 12:00
